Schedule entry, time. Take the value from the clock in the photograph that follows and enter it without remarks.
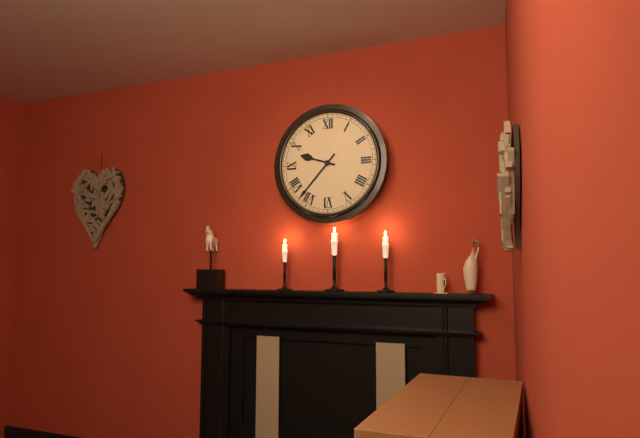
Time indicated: 9:37
